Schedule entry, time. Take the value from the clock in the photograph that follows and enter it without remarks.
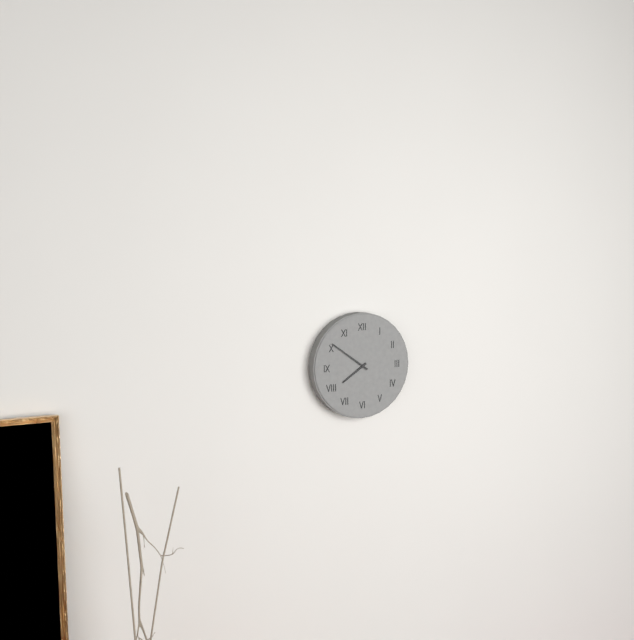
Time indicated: 7:51
